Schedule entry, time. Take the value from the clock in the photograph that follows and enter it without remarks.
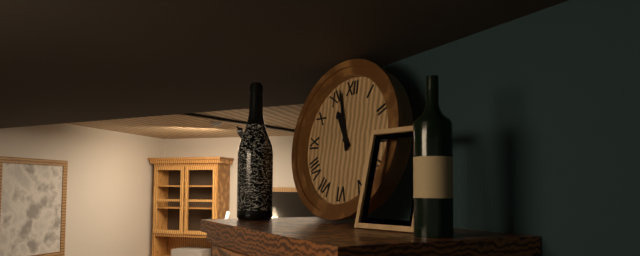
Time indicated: 10:57
